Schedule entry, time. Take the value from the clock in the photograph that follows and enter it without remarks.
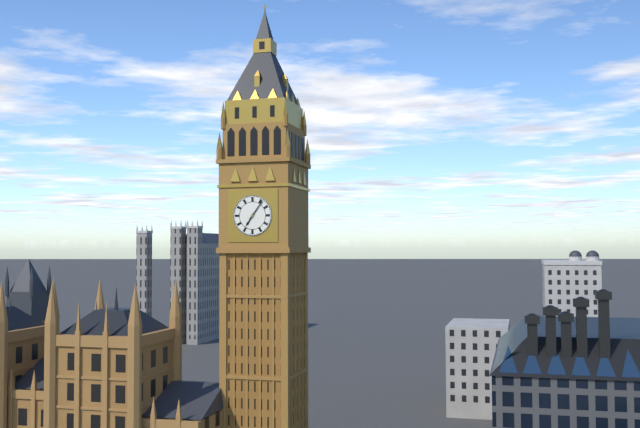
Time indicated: 7:06
